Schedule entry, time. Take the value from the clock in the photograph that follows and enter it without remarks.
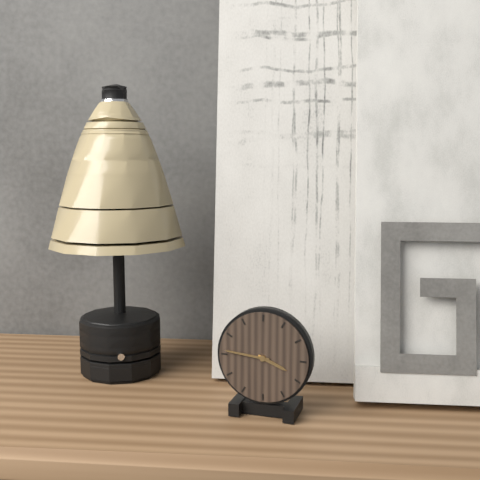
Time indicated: 3:46
